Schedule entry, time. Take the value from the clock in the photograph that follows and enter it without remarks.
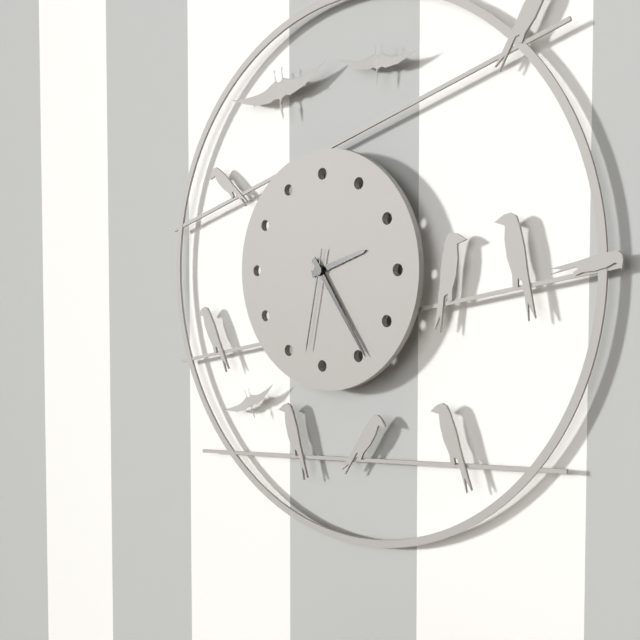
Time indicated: 2:24:32
